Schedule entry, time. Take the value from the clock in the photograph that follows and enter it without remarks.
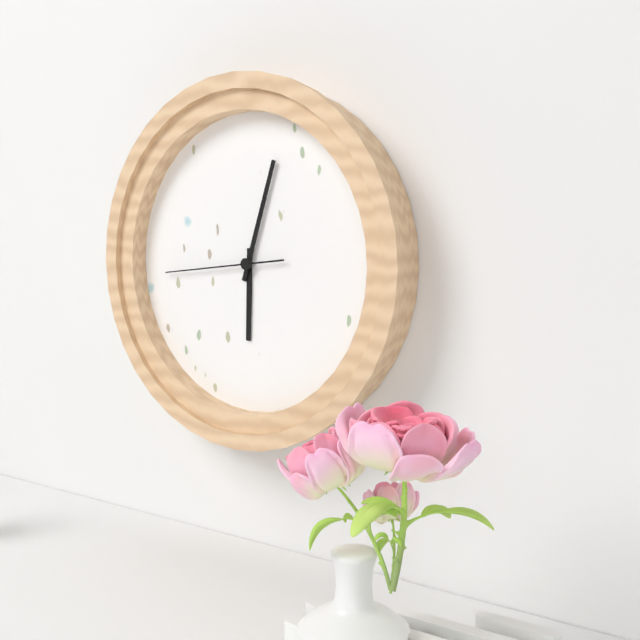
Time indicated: 6:03:44
